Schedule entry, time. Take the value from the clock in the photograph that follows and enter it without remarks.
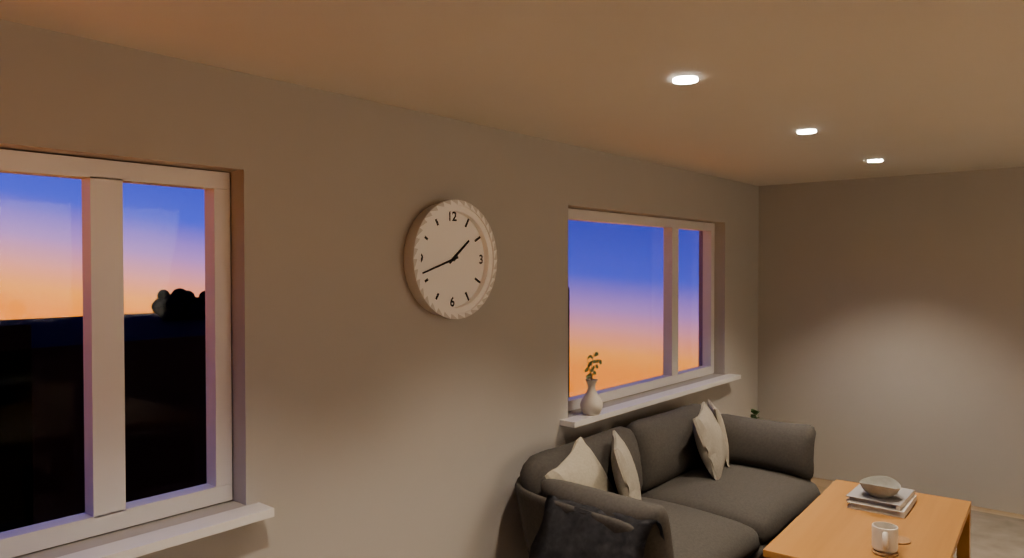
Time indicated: 1:42
